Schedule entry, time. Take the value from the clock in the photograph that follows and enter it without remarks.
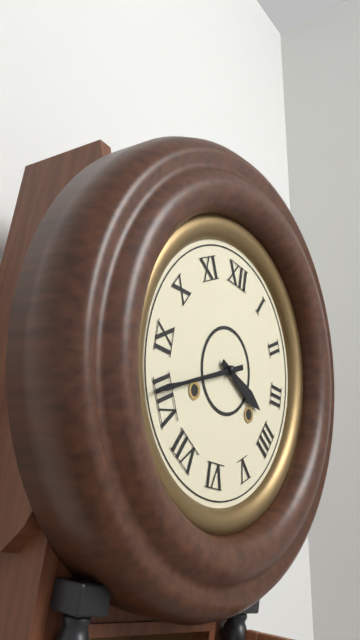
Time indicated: 3:41
